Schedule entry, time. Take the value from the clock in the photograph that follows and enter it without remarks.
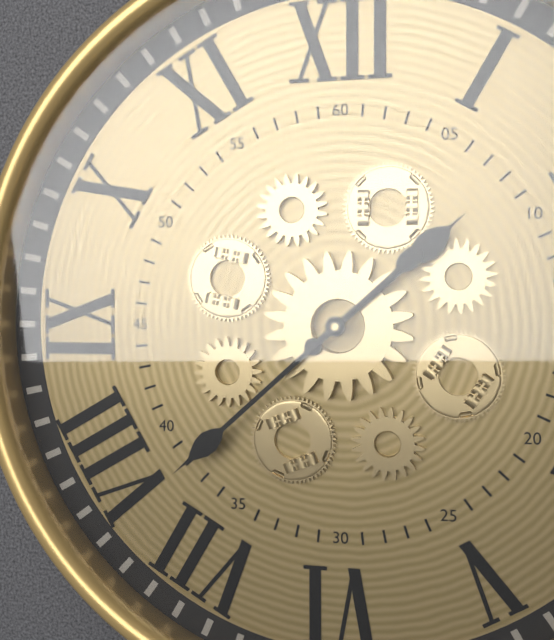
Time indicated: 1:38
